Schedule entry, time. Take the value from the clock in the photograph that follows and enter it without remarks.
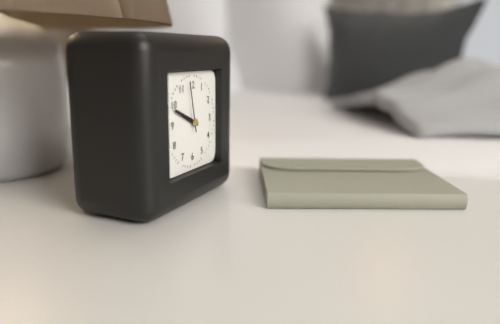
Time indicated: 9:49
